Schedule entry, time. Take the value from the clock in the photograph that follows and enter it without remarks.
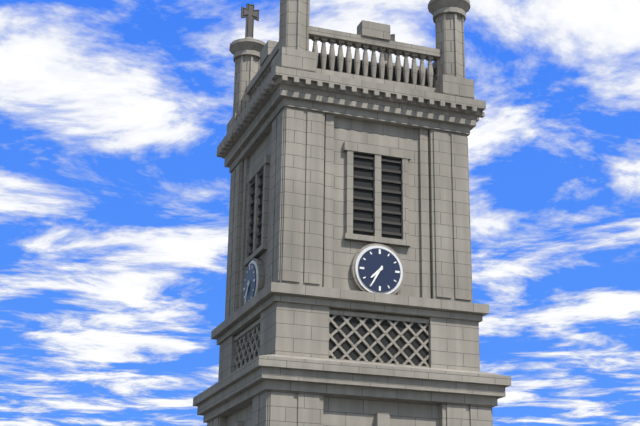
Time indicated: 7:35
